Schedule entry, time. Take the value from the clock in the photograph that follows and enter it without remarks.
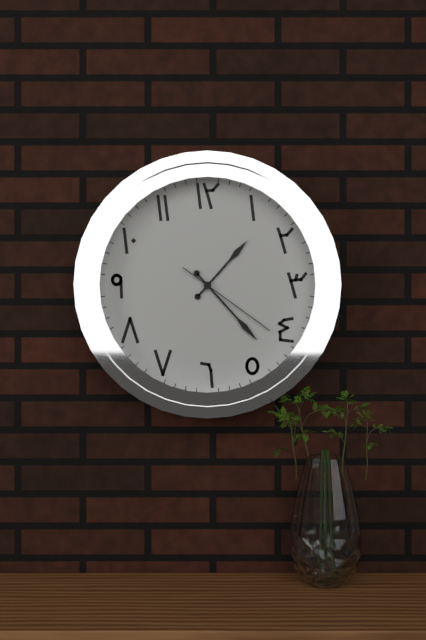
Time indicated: 1:23:21
